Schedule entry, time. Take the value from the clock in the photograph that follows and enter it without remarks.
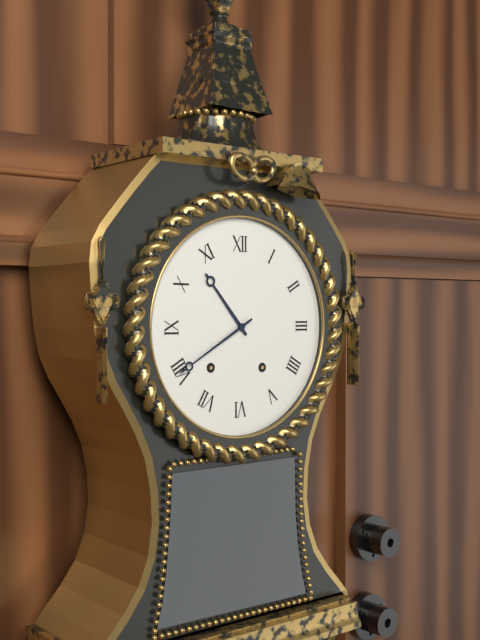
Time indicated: 10:40
